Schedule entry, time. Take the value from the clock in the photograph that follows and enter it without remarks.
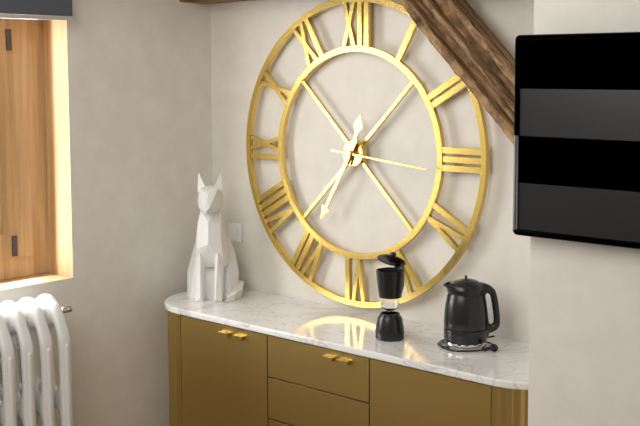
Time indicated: 12:35:16
